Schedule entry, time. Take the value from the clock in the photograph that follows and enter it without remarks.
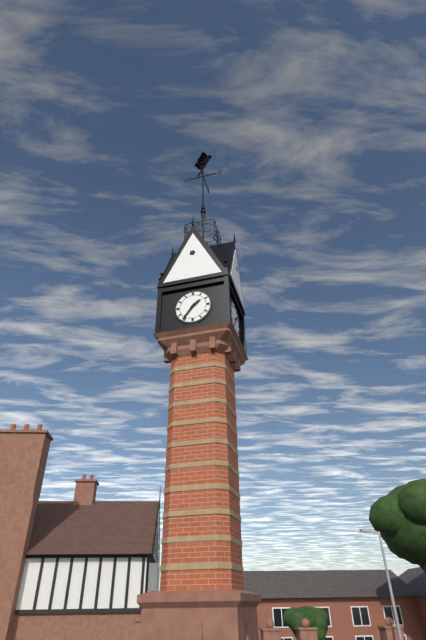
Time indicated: 1:36
